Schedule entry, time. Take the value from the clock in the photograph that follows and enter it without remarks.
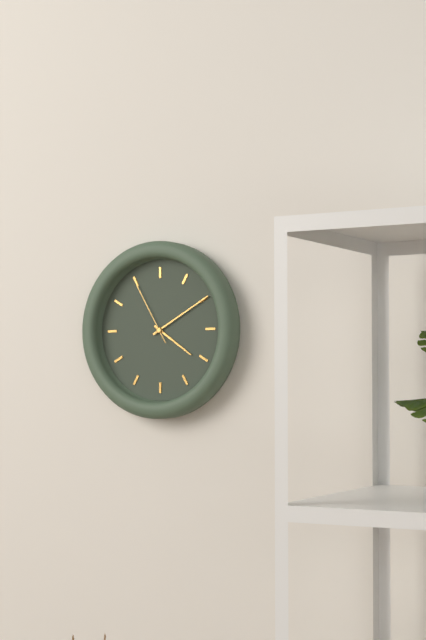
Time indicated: 4:10:55
